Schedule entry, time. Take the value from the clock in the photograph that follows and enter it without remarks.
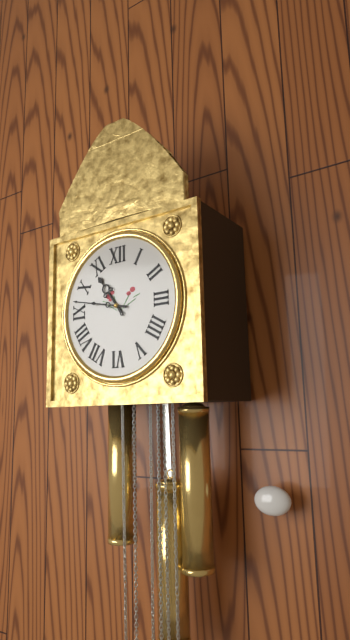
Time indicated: 10:47
